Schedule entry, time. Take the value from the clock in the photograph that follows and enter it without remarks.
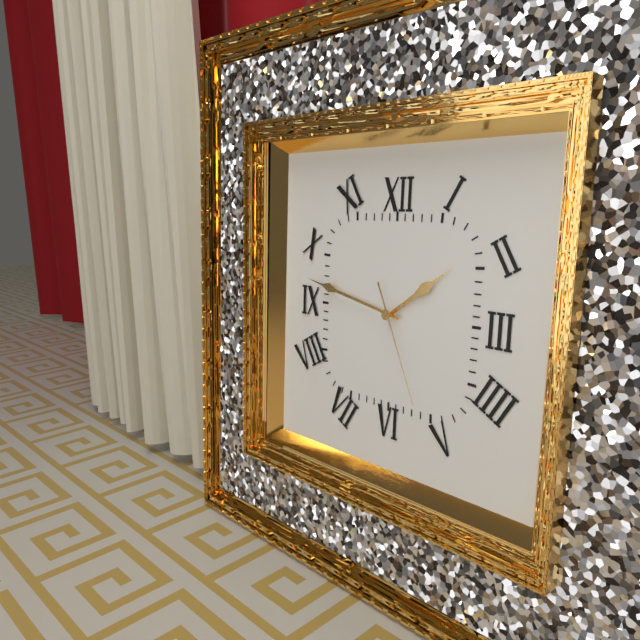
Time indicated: 1:47:26
